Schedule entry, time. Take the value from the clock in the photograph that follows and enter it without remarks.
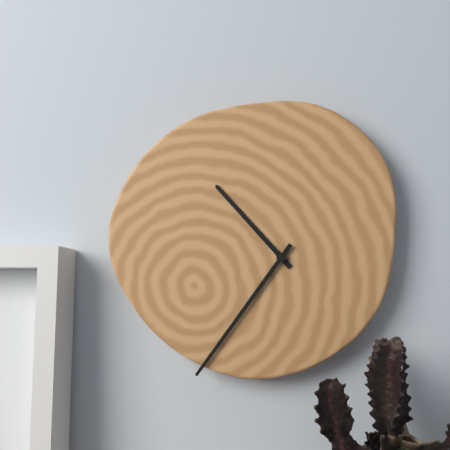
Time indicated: 10:36
